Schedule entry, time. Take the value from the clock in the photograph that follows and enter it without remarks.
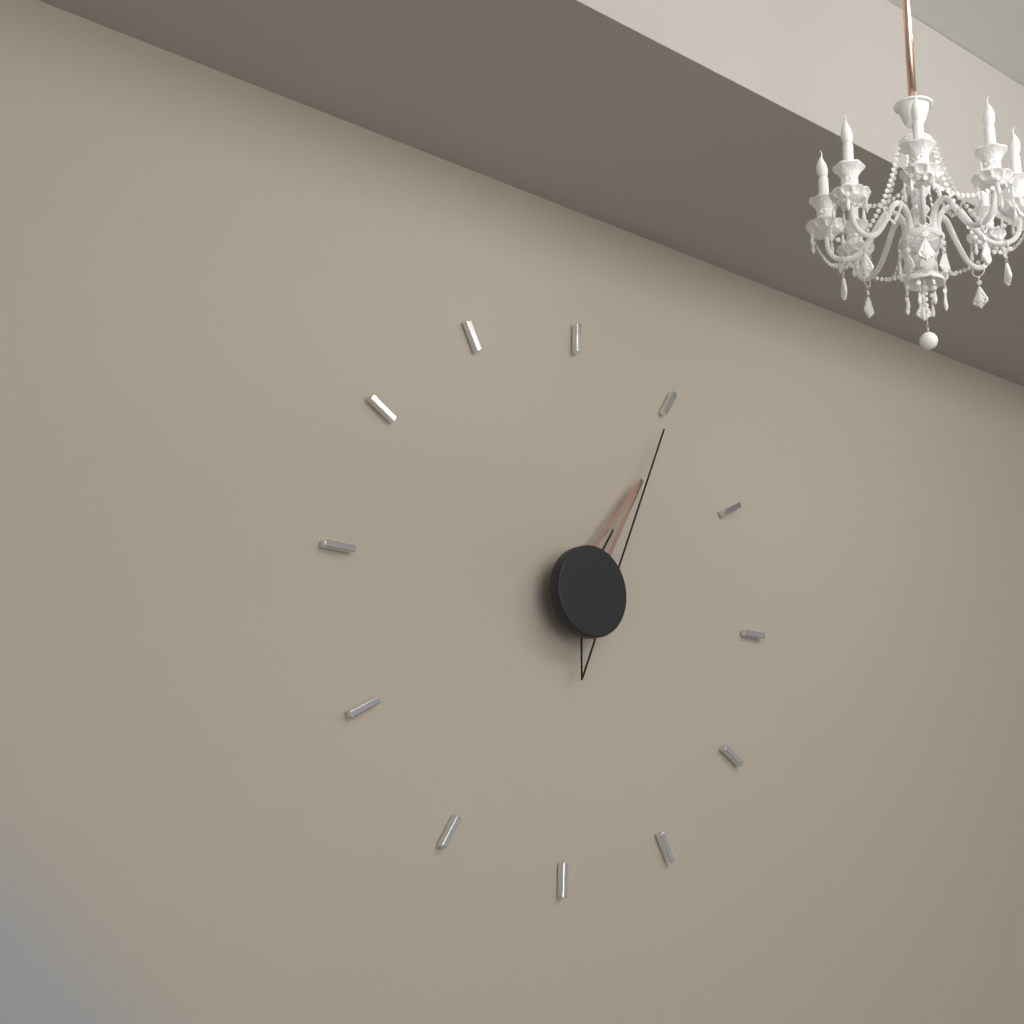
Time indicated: 1:05
